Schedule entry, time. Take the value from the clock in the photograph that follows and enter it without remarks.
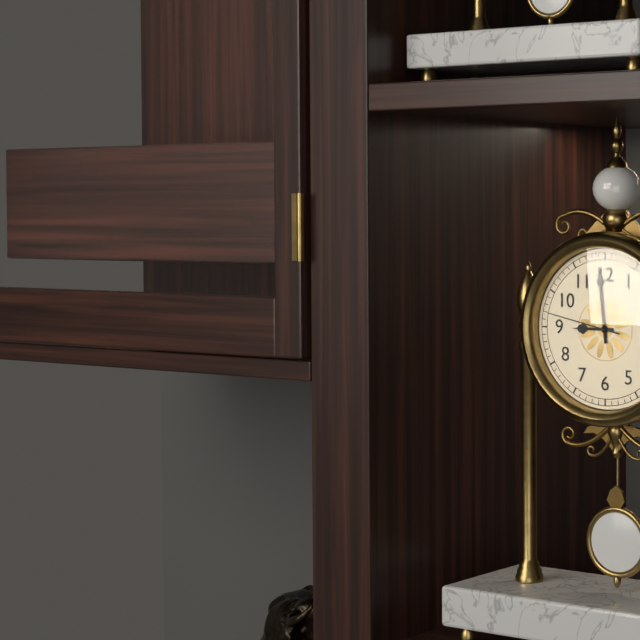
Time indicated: 8:59:47
